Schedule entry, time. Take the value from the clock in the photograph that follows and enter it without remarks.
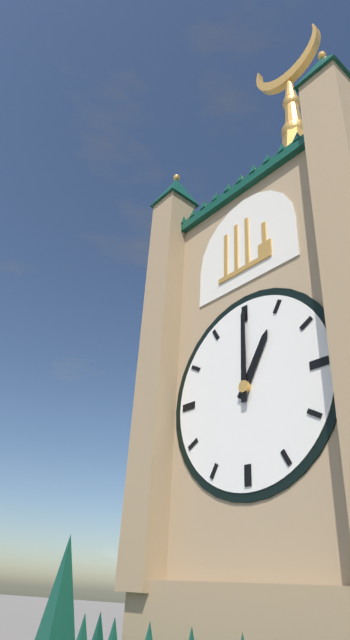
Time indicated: 1:00
